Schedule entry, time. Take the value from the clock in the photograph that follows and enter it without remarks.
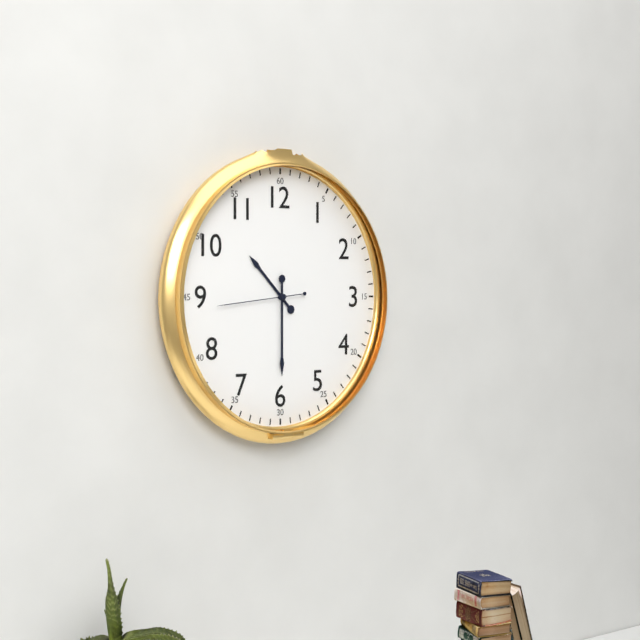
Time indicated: 10:30:44
